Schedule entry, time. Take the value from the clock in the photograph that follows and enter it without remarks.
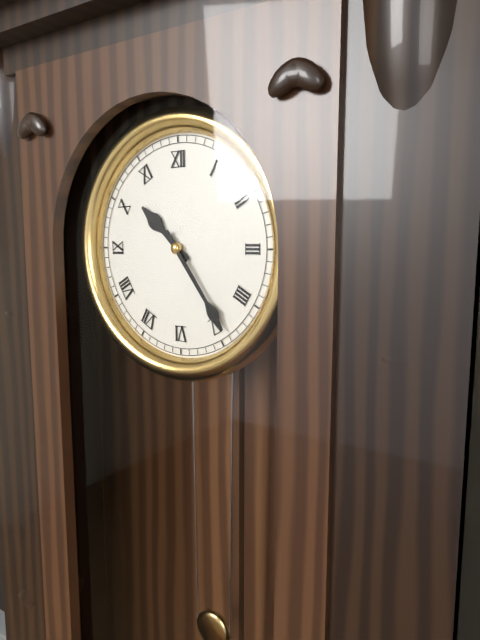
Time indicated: 10:24
